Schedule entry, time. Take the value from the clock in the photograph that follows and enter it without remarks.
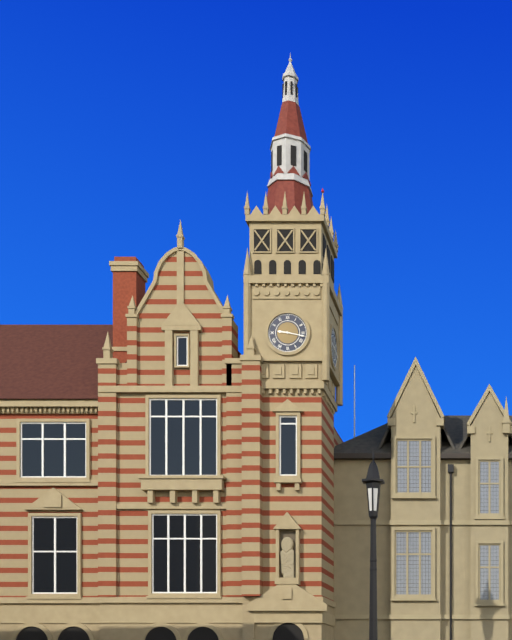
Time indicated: 9:17
